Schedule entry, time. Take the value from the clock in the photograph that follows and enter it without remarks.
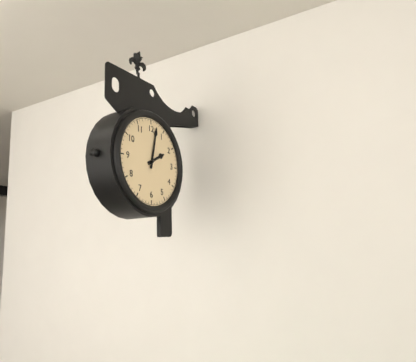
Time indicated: 2:02
